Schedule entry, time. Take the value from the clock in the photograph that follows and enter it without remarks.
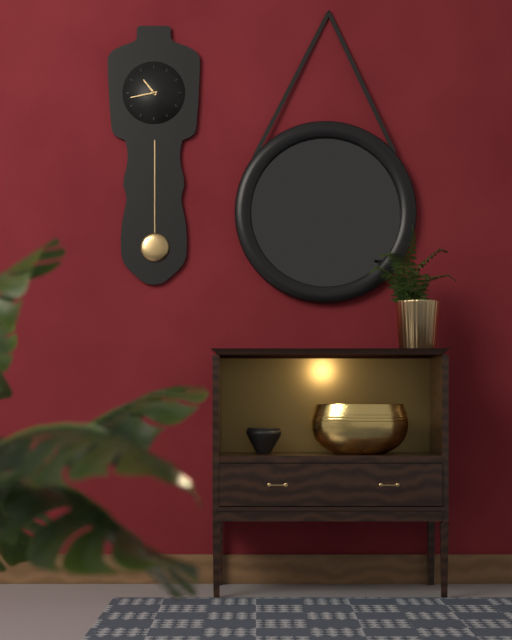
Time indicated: 10:43
